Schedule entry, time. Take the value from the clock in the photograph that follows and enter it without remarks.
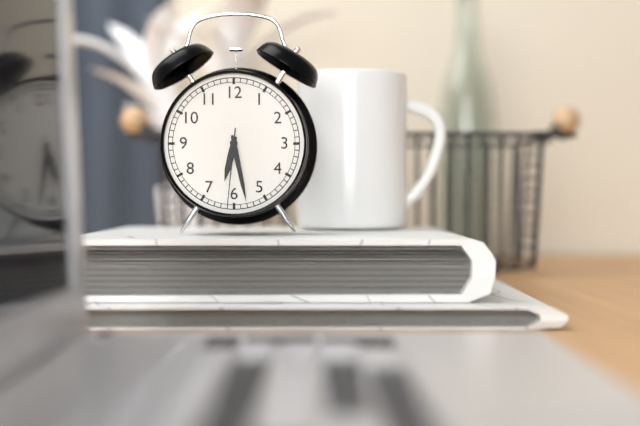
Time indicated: 6:28:31
